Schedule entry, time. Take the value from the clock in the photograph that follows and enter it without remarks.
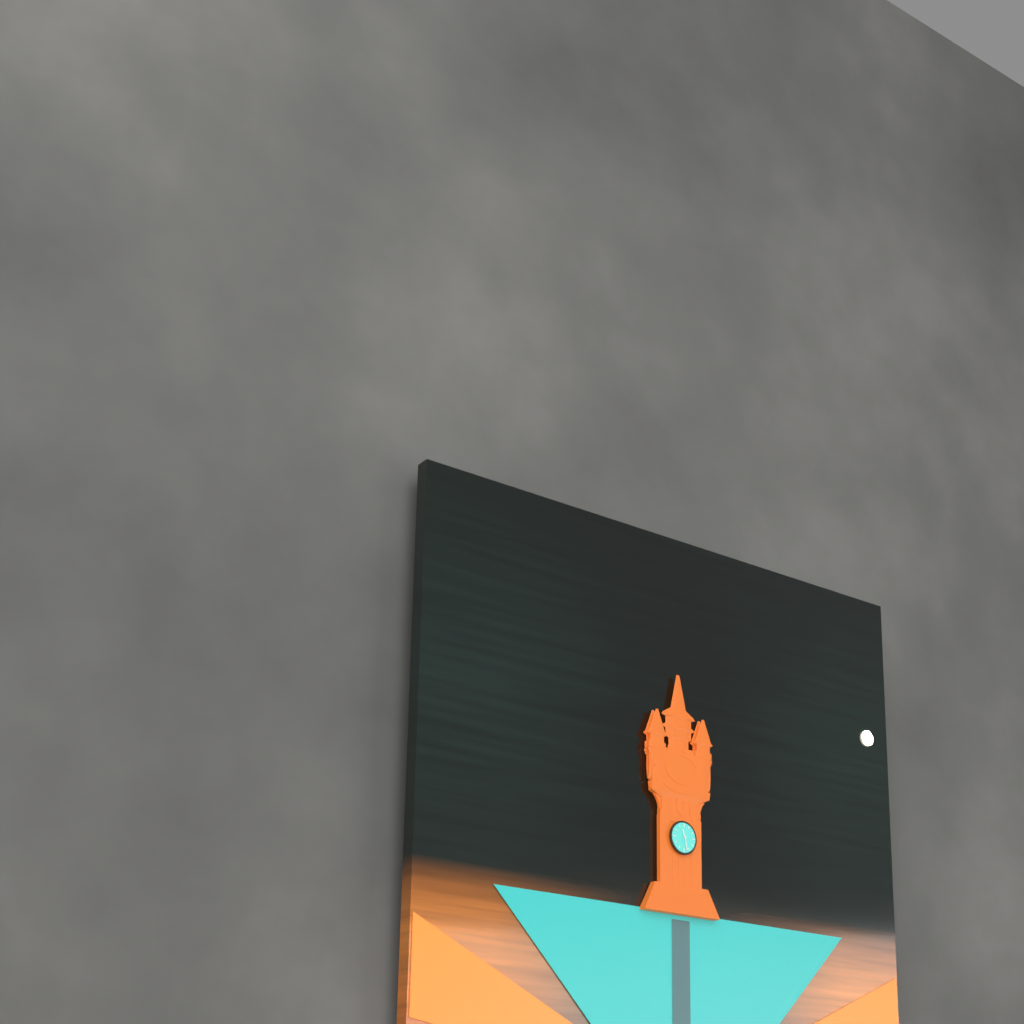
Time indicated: 11:28
